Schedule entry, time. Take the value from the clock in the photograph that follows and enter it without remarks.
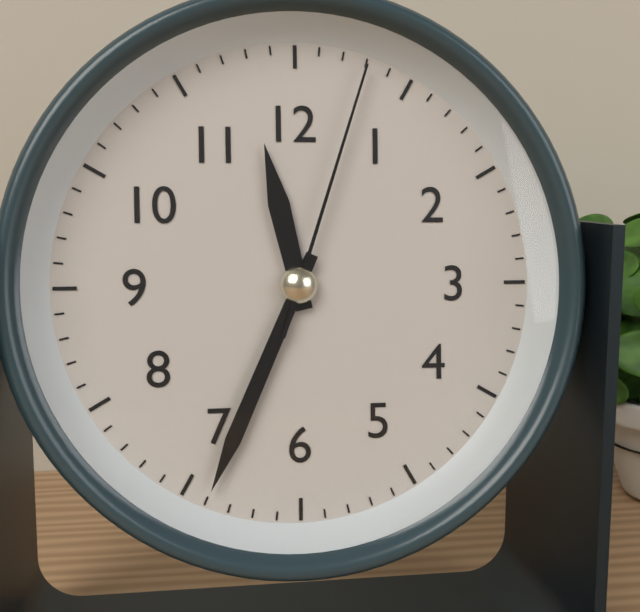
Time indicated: 11:34:03
